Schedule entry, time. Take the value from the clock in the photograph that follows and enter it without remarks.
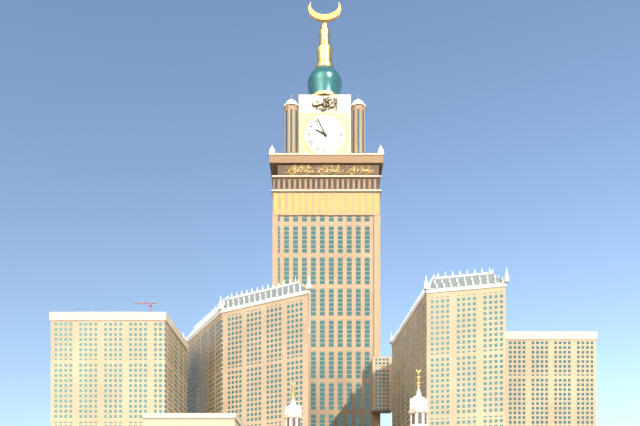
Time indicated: 9:56
